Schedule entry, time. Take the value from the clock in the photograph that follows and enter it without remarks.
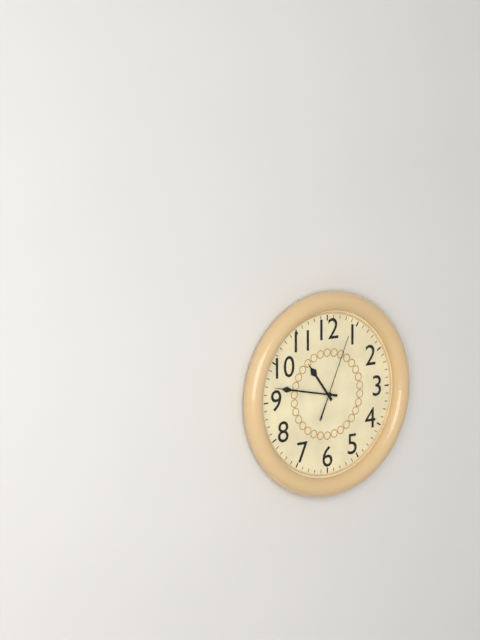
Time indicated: 10:47:04
